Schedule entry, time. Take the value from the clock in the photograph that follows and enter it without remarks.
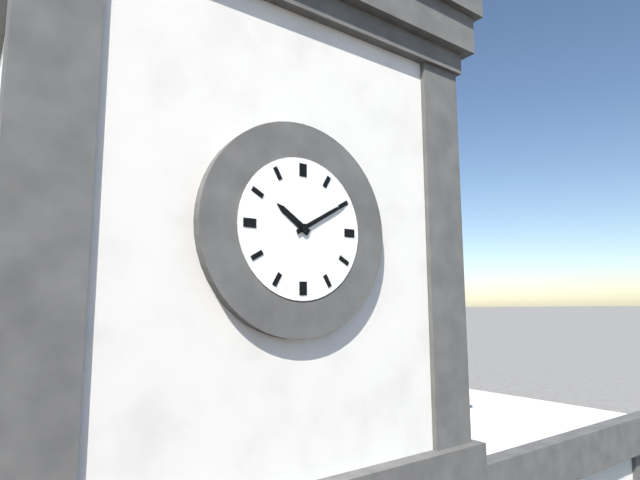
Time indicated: 10:10
